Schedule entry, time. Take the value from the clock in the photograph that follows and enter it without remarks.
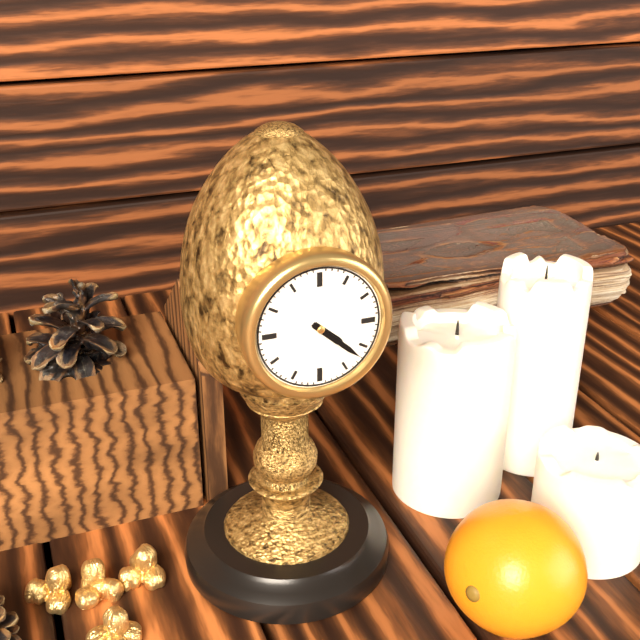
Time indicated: 4:22
